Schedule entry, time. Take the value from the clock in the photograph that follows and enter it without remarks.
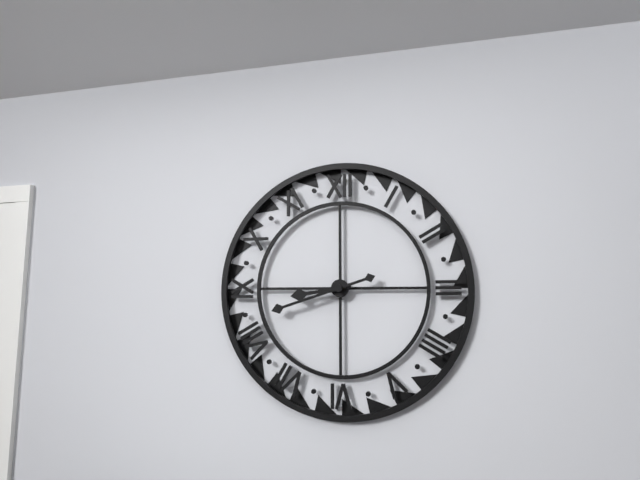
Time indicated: 8:42
